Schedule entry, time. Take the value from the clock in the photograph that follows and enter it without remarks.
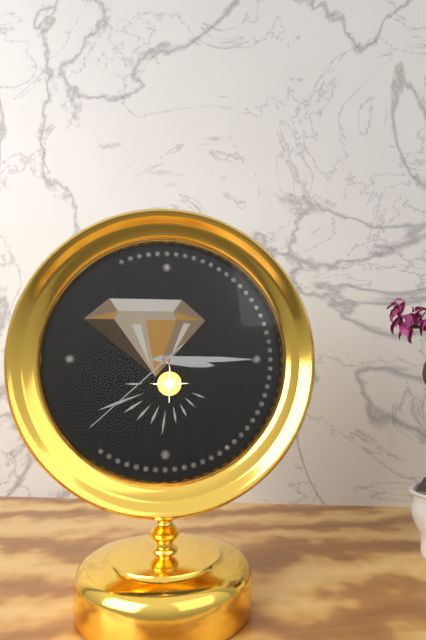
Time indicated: 3:15:38
